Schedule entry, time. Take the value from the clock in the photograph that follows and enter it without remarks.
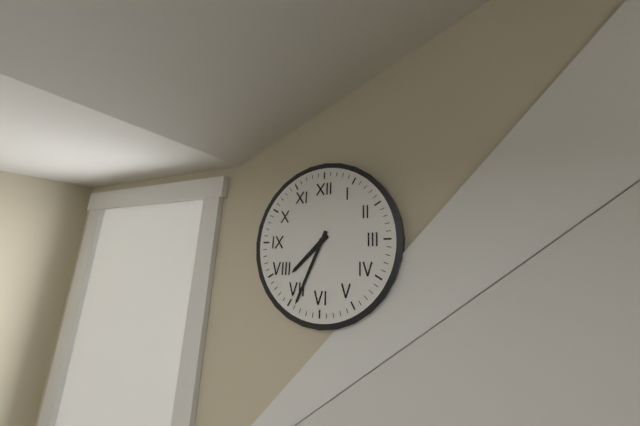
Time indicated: 7:34
